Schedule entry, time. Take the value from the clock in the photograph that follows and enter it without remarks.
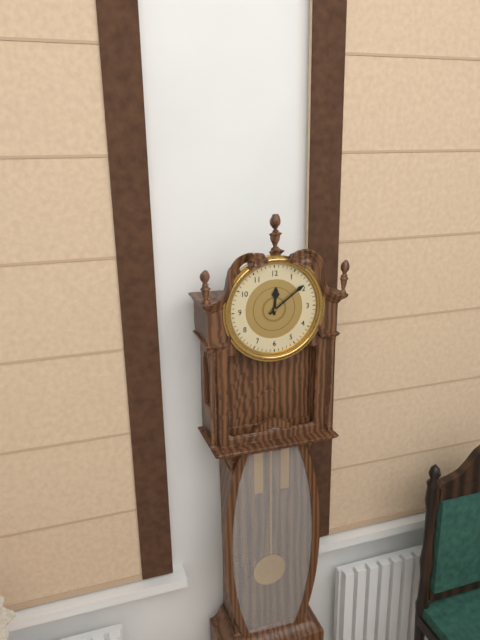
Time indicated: 12:09
